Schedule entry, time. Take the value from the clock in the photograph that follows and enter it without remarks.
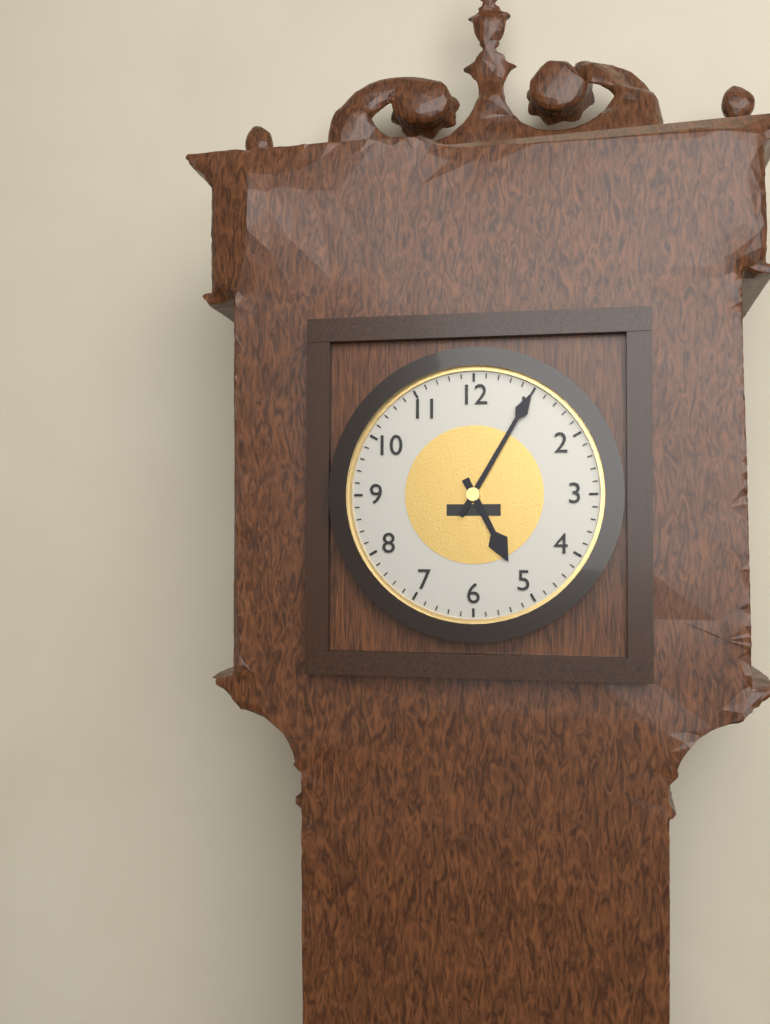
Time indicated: 5:05
